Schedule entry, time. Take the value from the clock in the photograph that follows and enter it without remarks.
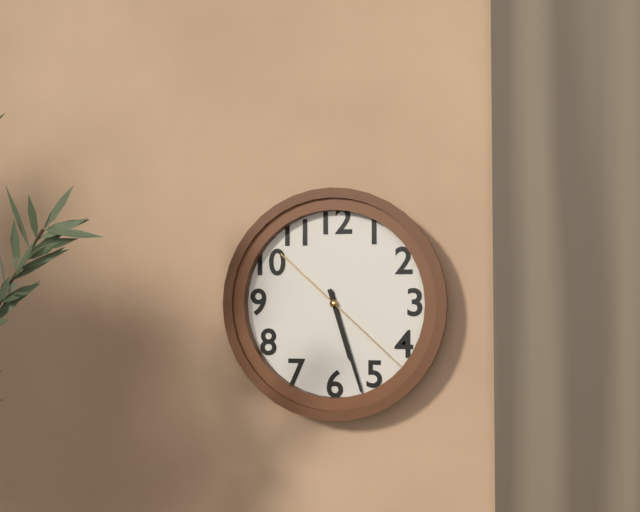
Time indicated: 5:27:22
